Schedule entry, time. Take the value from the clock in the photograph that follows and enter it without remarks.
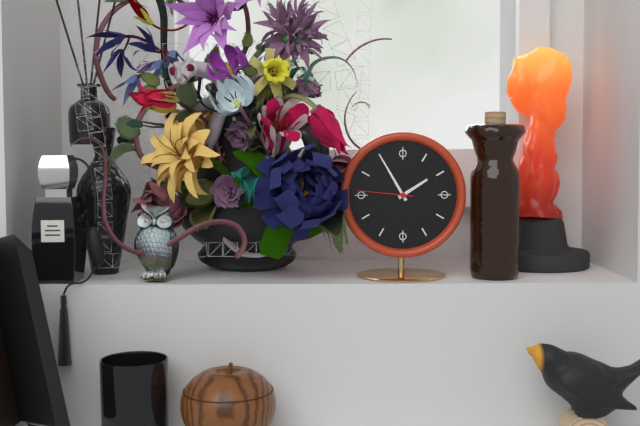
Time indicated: 1:55:46
